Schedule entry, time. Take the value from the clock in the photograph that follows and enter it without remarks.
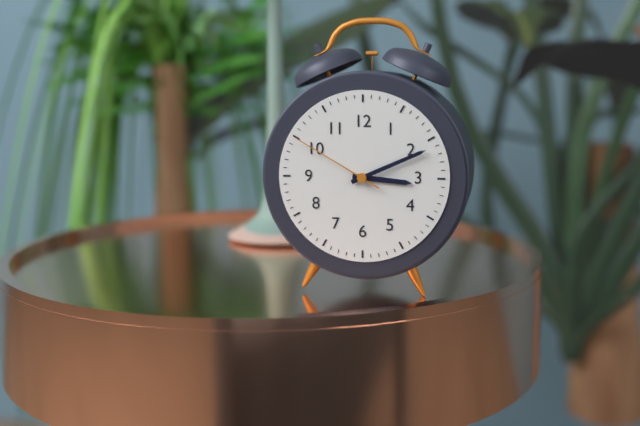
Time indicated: 3:11:50
